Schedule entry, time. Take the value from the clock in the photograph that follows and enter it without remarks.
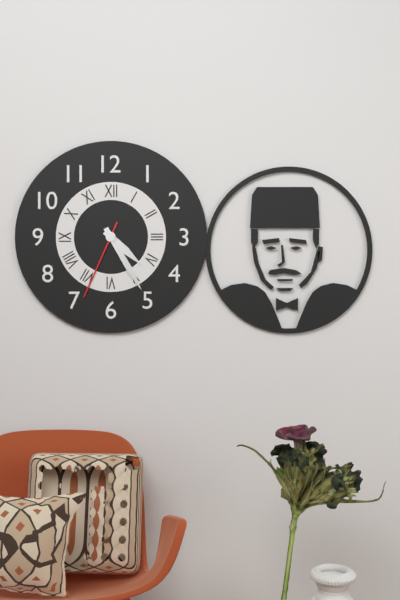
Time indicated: 4:25:34
